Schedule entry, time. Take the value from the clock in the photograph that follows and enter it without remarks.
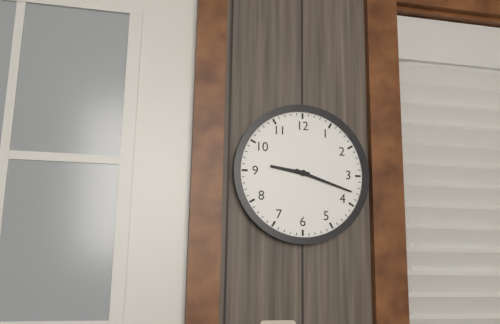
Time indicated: 9:18
